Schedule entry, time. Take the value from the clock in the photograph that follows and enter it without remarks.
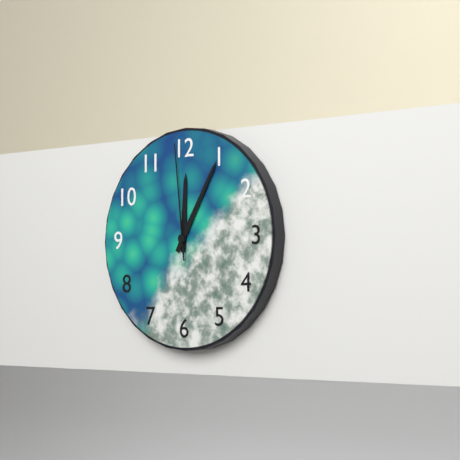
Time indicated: 12:05:59
